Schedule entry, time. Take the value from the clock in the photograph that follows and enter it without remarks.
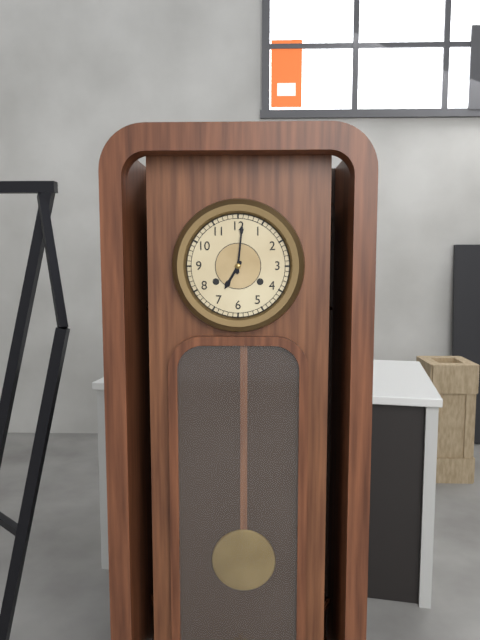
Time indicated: 7:01
